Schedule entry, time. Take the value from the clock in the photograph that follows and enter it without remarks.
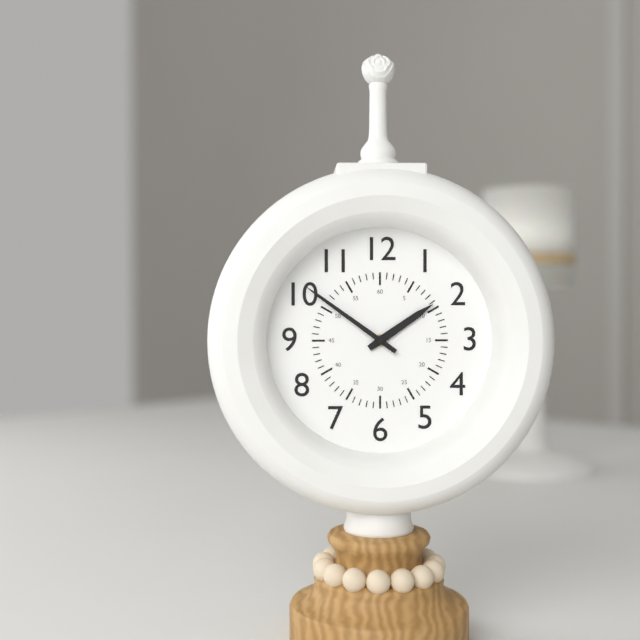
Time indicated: 1:51
